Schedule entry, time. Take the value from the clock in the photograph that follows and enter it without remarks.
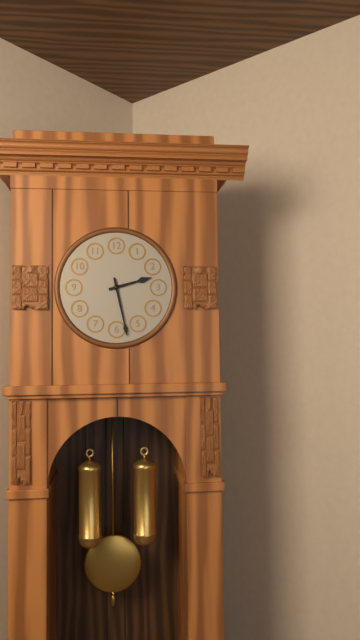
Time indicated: 2:28
